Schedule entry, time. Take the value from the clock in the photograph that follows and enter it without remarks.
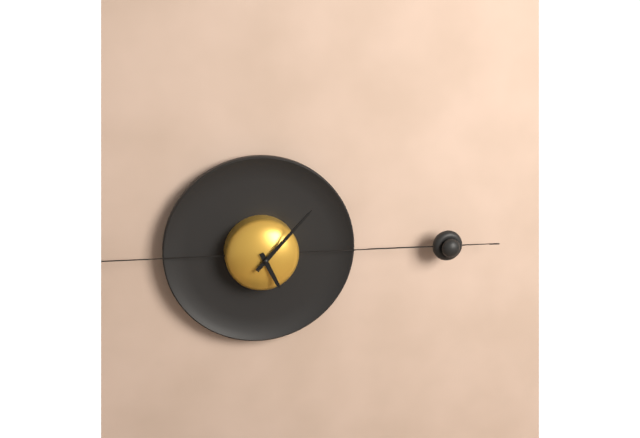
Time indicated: 5:07
